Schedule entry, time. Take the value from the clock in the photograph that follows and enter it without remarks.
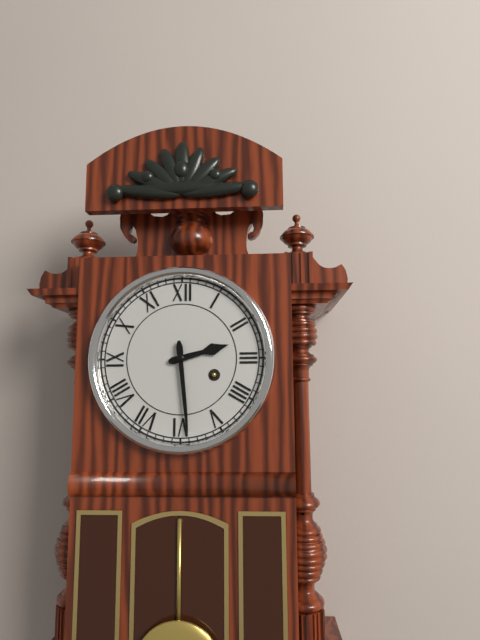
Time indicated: 2:29
